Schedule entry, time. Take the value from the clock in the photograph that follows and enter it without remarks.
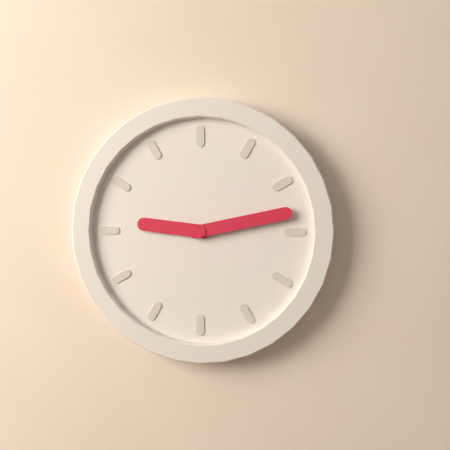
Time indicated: 9:13
